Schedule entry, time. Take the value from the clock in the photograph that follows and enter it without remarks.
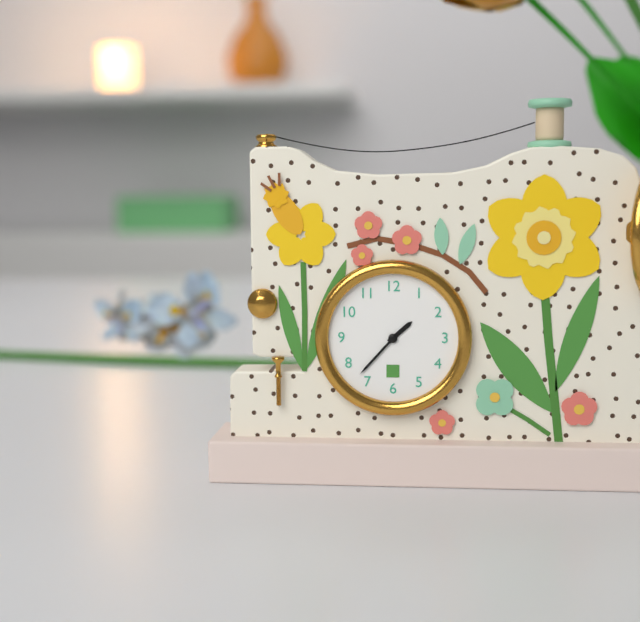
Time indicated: 1:37
